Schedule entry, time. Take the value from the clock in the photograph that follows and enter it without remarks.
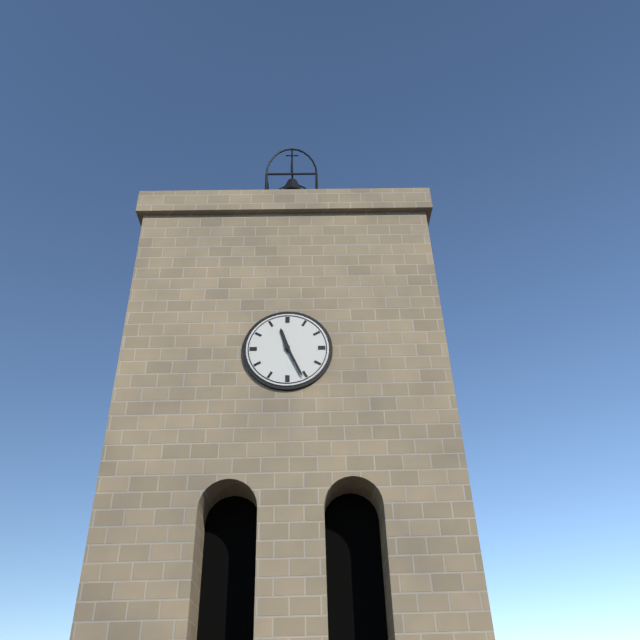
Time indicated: 11:26
